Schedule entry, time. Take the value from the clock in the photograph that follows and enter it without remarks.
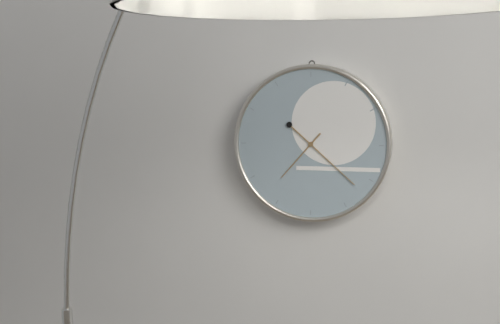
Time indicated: 7:22
